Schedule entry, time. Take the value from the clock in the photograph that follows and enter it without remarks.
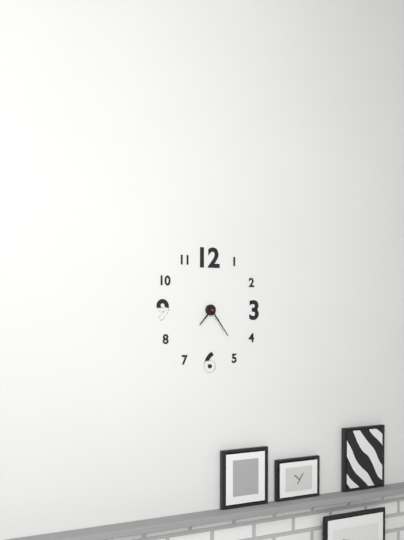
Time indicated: 7:24
